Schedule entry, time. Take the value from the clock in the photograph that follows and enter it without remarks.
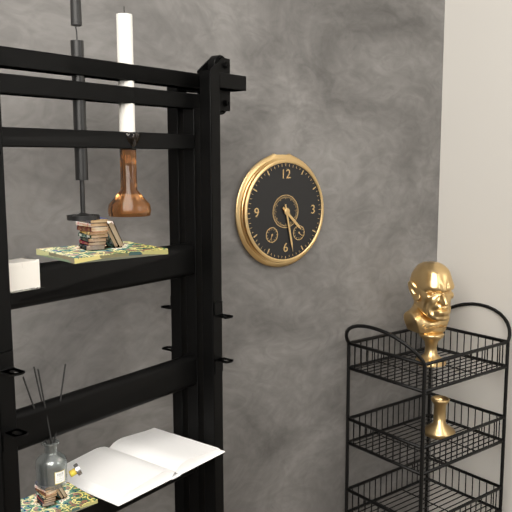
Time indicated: 4:28
